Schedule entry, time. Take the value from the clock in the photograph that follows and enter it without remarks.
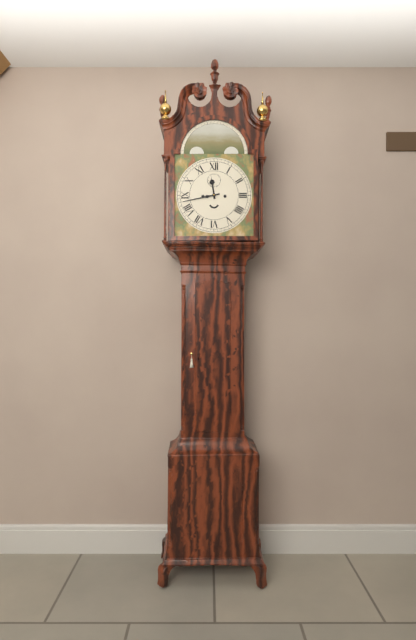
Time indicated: 11:43
